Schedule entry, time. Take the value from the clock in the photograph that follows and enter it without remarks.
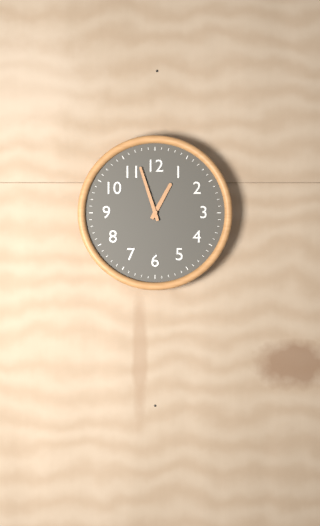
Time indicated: 12:57
